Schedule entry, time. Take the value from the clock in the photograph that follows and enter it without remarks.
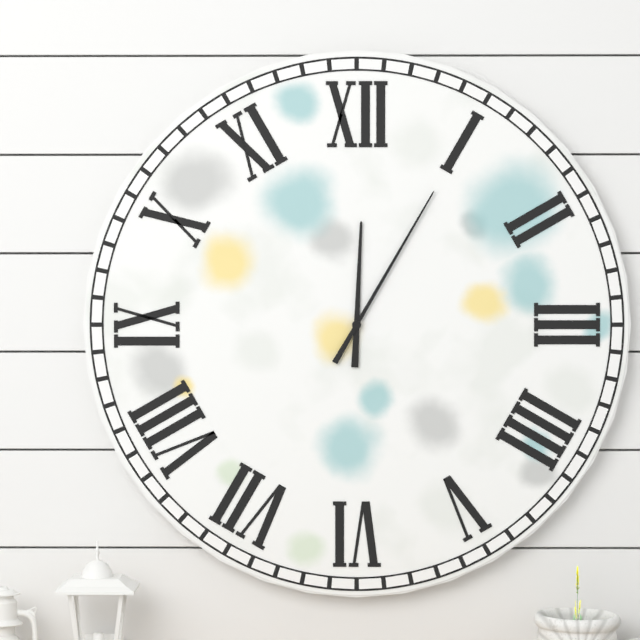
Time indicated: 12:05
